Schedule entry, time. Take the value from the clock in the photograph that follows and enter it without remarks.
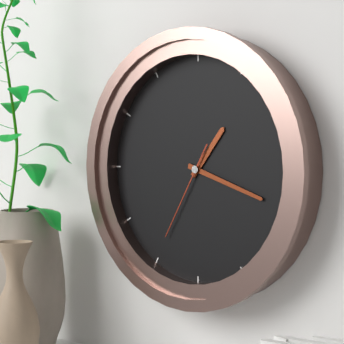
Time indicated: 1:18:35
